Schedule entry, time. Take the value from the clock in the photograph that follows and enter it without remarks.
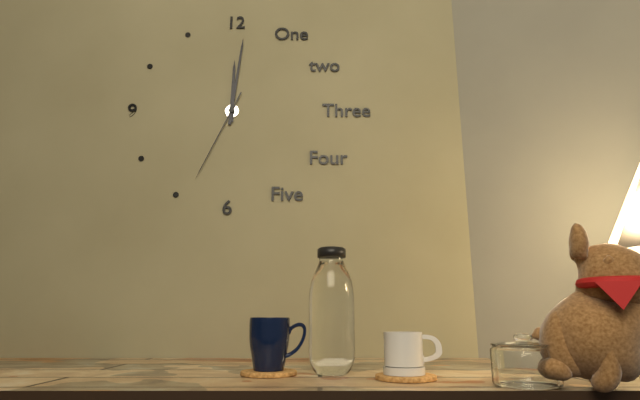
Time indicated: 12:01:34
